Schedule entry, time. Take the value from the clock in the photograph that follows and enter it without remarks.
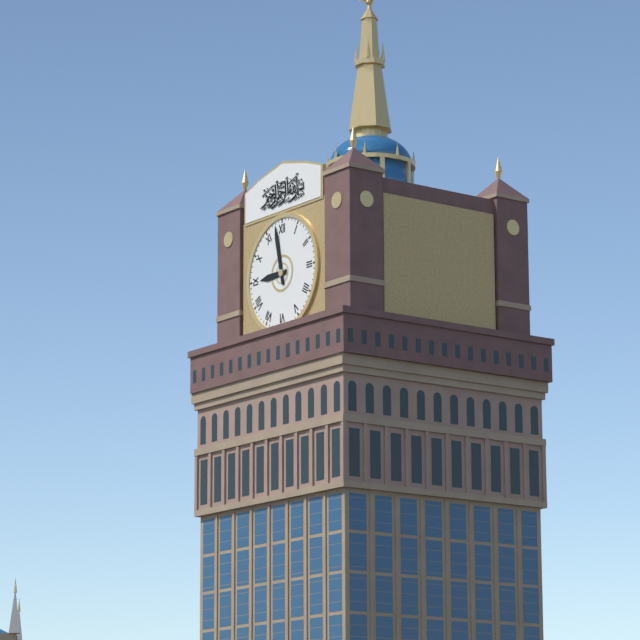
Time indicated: 8:58
